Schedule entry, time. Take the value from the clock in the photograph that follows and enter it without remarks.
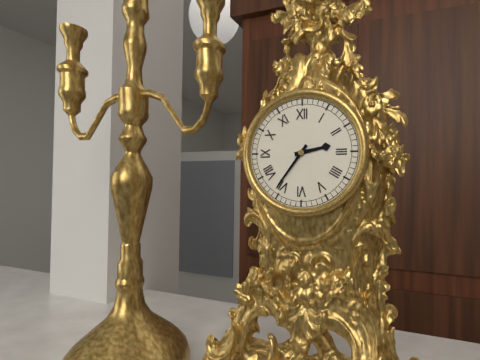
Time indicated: 2:36
